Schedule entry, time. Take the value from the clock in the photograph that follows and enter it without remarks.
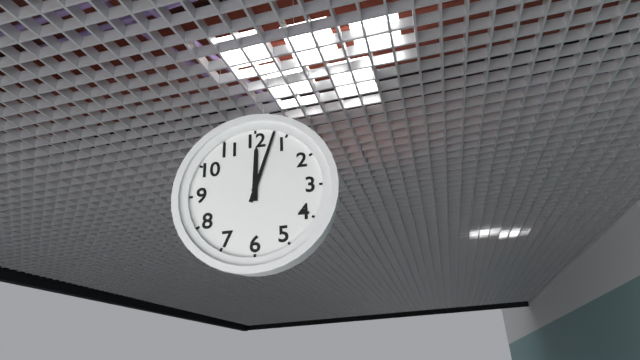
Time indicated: 12:03
